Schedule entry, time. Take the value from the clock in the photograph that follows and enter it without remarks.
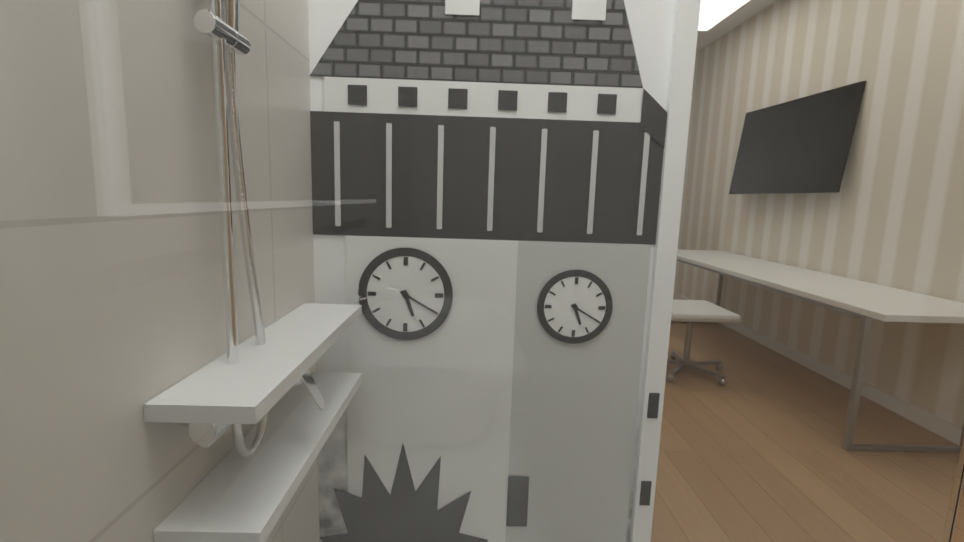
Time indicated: 5:20
